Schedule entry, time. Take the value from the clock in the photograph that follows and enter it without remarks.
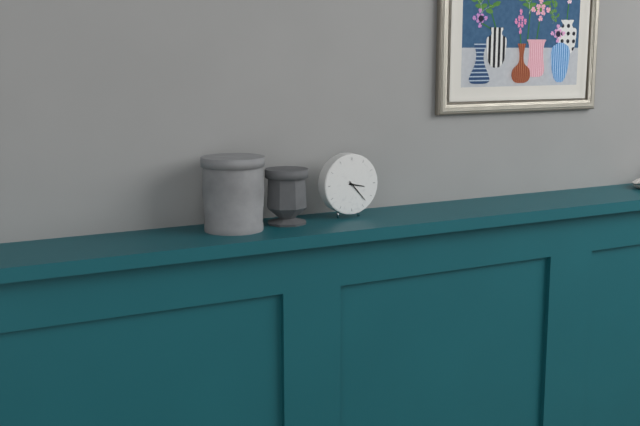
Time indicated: 3:23
